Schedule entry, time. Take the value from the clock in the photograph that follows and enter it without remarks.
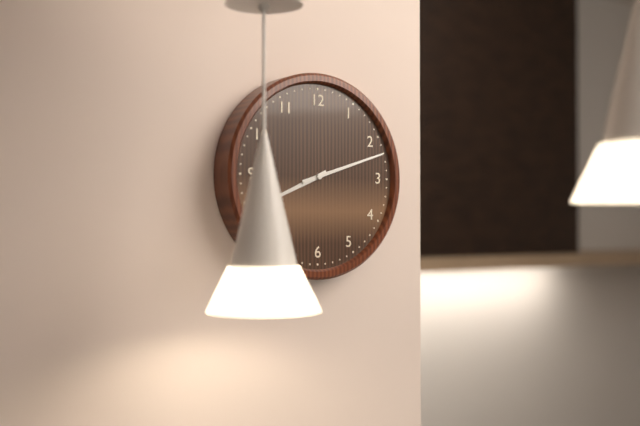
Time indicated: 8:12
